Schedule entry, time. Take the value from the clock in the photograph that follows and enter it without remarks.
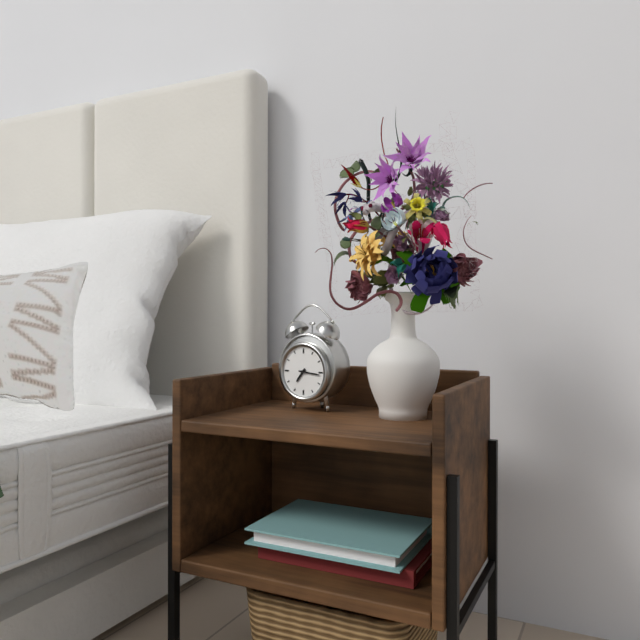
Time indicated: 7:16
